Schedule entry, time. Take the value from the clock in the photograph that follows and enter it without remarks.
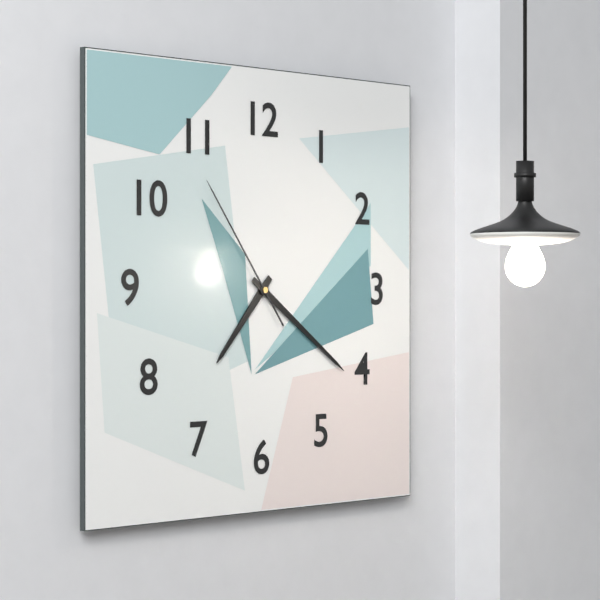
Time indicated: 7:21:54
